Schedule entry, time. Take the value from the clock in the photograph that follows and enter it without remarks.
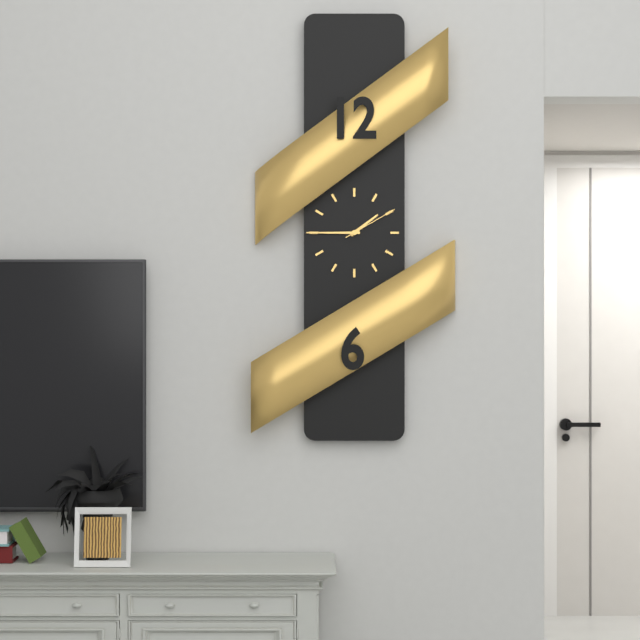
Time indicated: 1:45:10
